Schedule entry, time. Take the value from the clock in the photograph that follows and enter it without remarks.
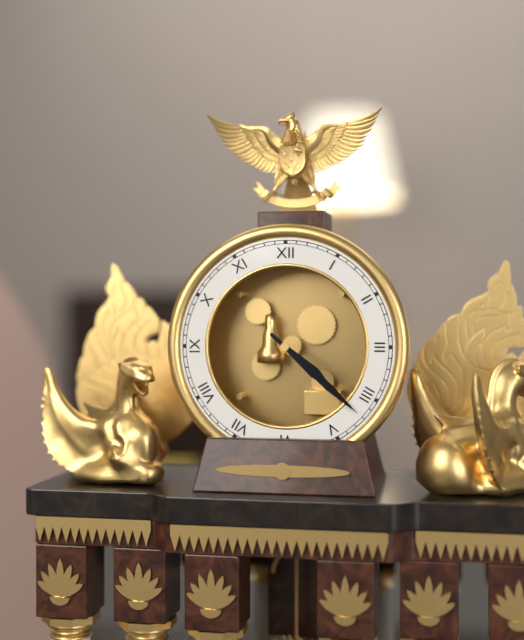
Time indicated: 4:22
